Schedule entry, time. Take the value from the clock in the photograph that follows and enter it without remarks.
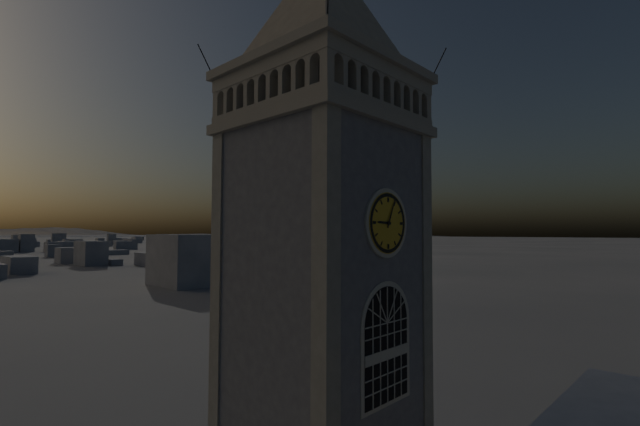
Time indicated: 9:04
